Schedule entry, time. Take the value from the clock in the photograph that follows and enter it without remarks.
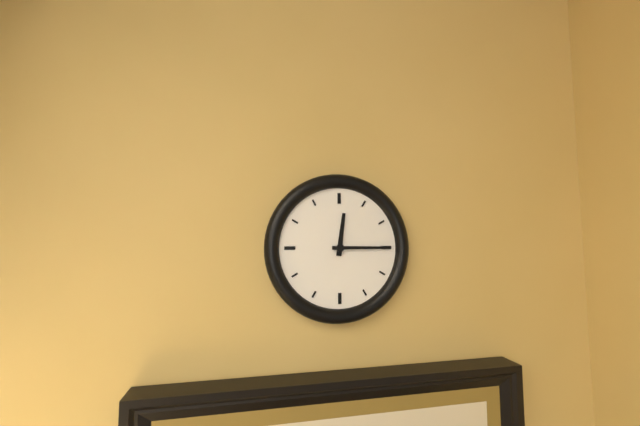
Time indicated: 12:15
